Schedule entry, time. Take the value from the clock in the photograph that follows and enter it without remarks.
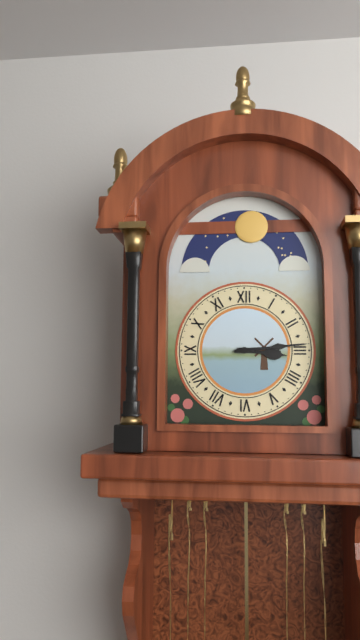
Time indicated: 3:14
